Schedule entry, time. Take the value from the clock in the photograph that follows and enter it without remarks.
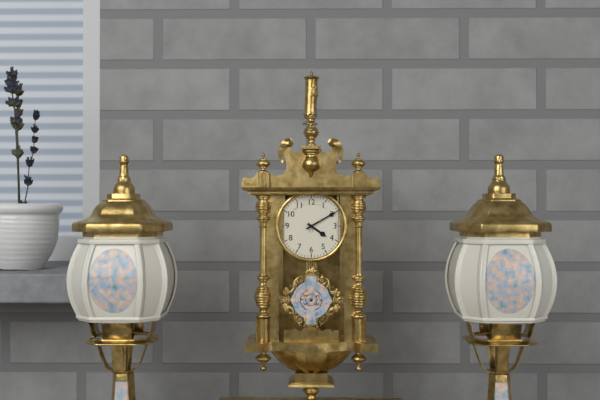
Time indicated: 4:10
